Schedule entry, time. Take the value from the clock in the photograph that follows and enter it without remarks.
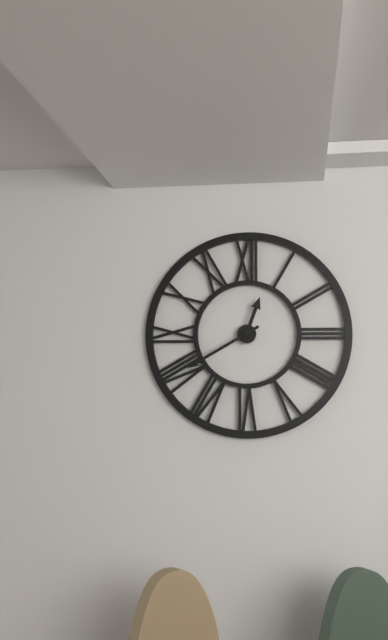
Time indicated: 12:40
